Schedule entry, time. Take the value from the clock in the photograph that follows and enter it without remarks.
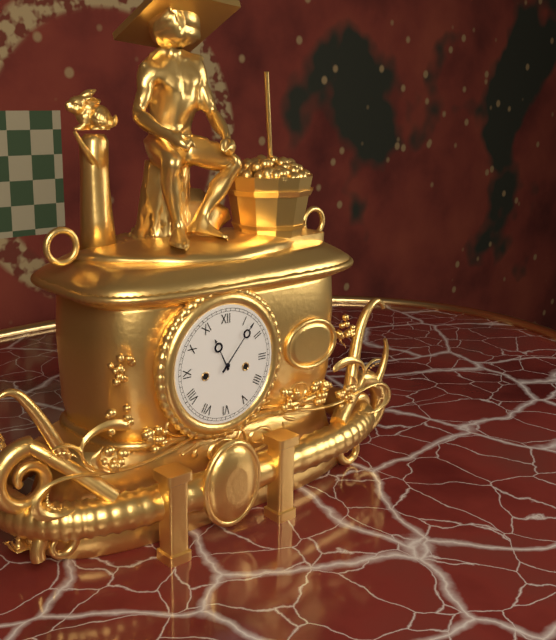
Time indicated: 11:07
